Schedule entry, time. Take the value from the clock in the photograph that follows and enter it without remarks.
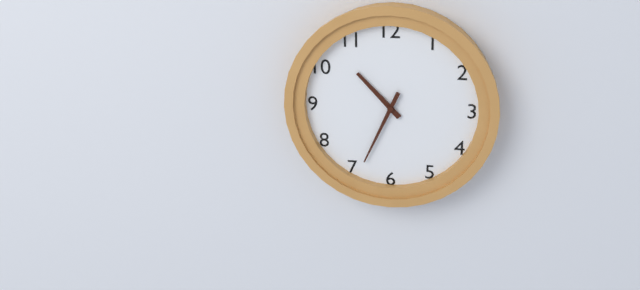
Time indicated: 10:34
